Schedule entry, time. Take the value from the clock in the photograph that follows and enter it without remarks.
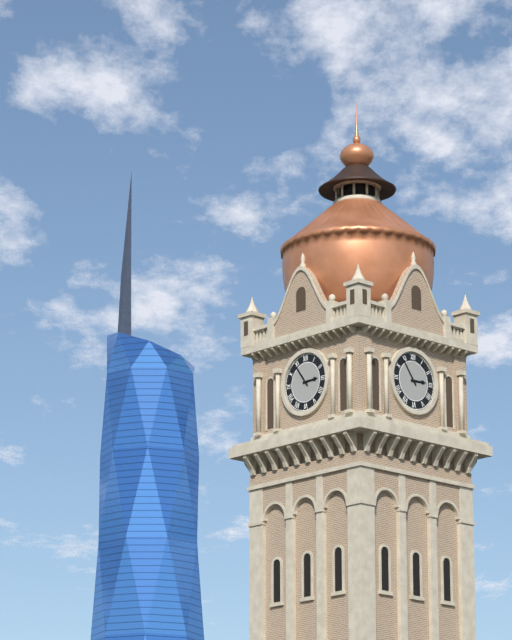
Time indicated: 2:54
